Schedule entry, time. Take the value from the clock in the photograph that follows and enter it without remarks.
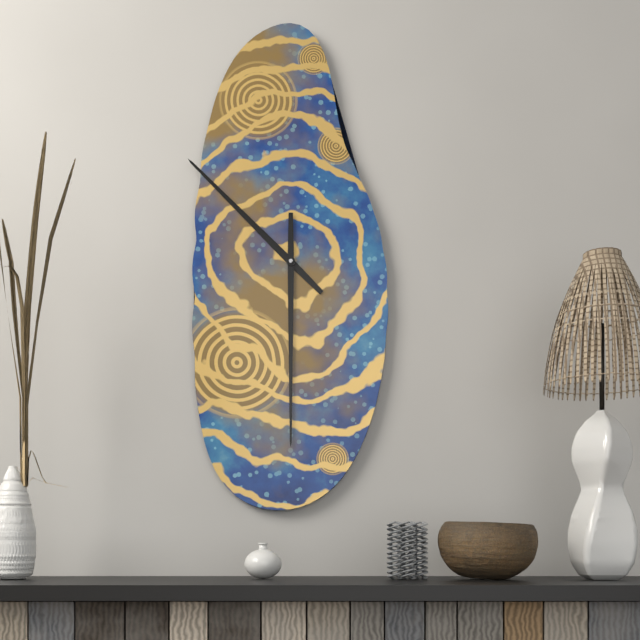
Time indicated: 10:30
